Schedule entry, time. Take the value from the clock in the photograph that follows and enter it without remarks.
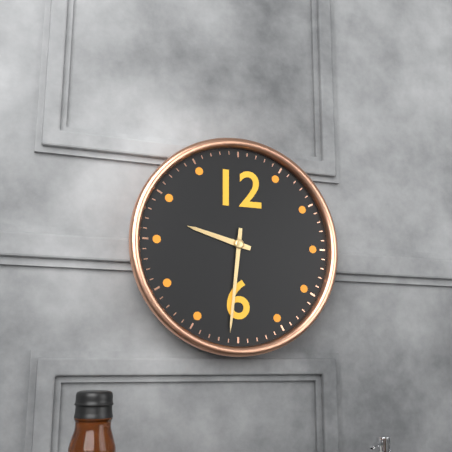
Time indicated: 9:31
